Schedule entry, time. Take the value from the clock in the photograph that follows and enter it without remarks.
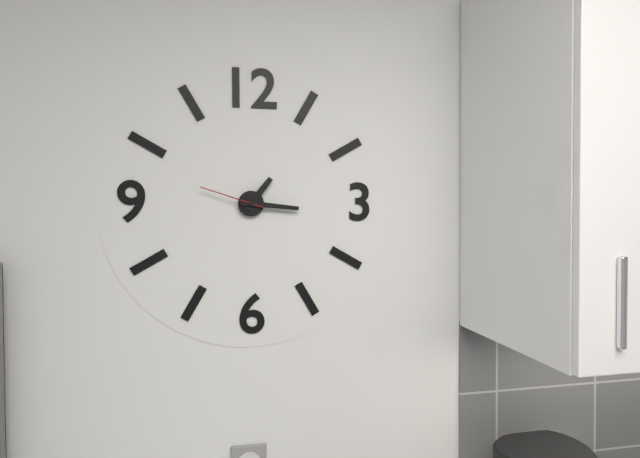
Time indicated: 1:16:48
